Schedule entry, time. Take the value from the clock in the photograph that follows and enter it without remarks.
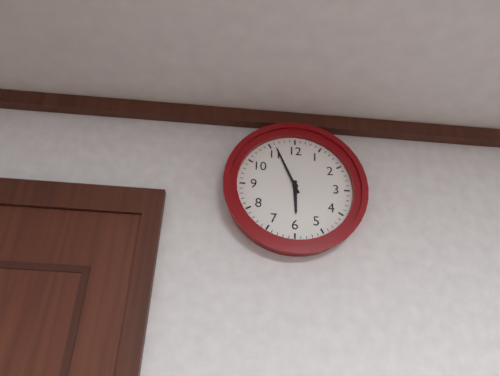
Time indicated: 5:56
